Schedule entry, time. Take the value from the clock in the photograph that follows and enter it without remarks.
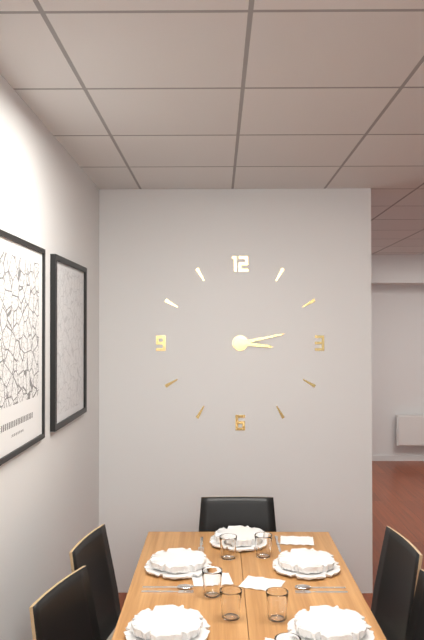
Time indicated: 3:13
